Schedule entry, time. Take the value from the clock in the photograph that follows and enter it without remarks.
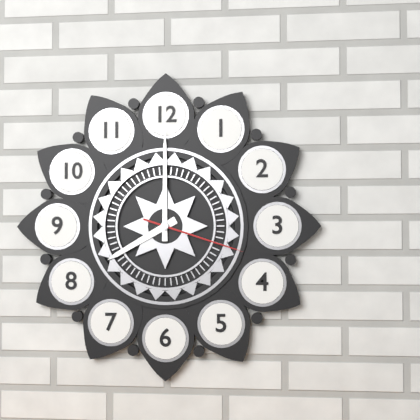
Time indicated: 8:00:18
